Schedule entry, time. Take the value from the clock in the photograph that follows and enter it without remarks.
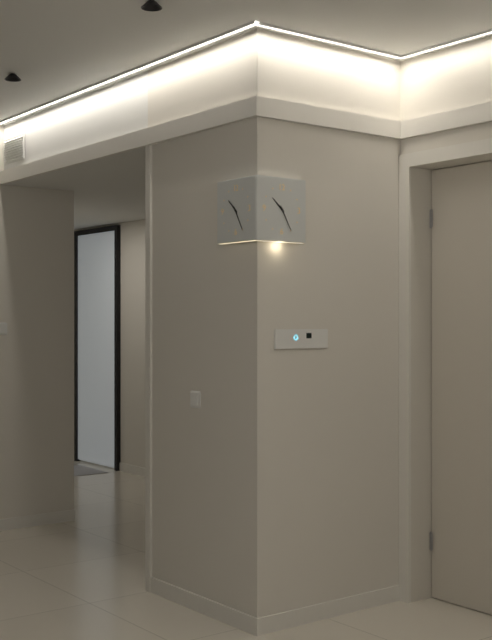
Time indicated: 10:25
